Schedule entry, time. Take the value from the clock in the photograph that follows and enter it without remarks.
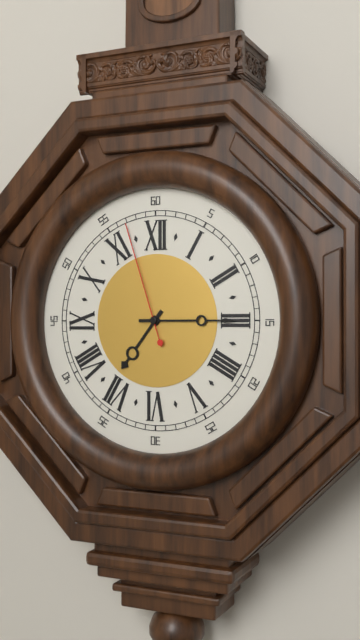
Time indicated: 7:15:57
